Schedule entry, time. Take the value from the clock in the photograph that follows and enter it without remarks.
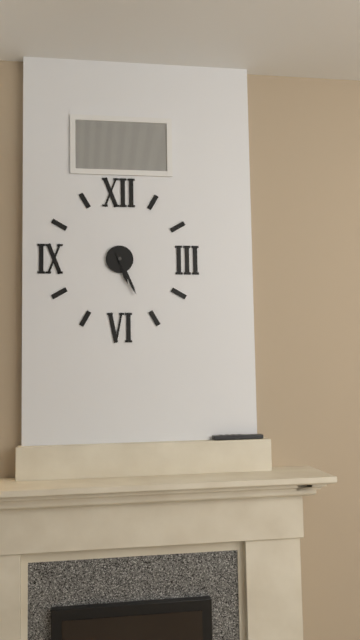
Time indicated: 5:26
